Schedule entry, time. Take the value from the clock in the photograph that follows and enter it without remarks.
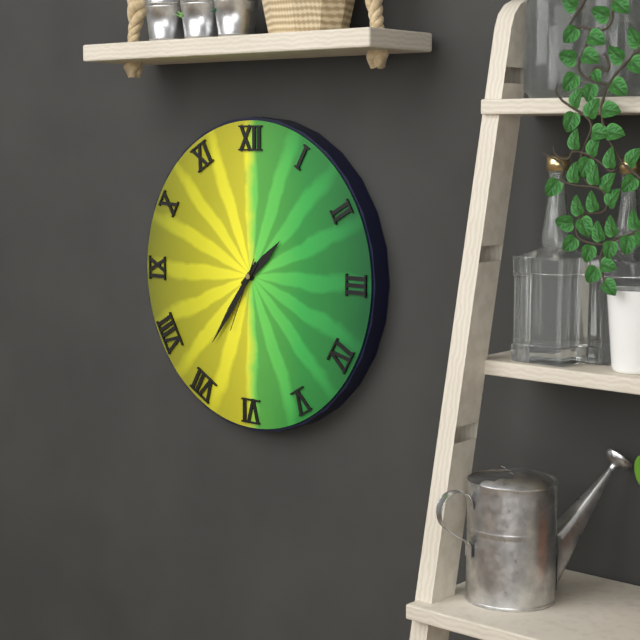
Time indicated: 1:36:34
